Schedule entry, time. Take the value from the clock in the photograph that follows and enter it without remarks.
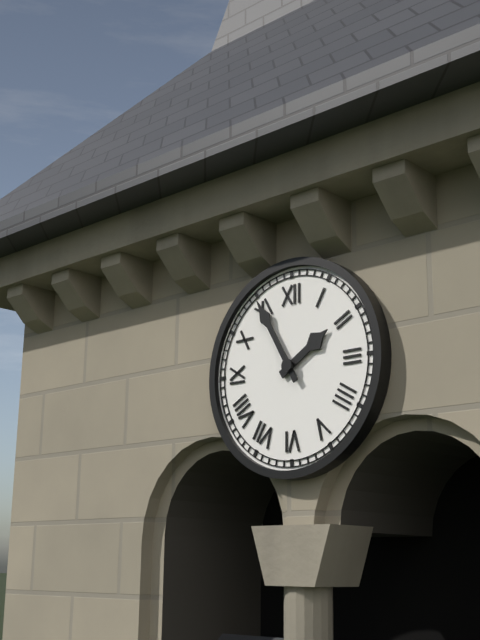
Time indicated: 1:55
